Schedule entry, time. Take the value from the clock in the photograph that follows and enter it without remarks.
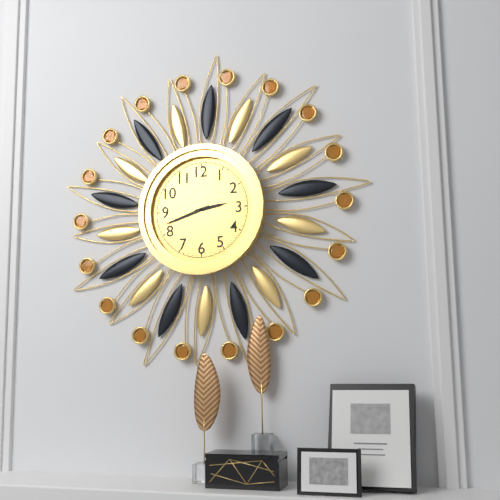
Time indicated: 2:42
